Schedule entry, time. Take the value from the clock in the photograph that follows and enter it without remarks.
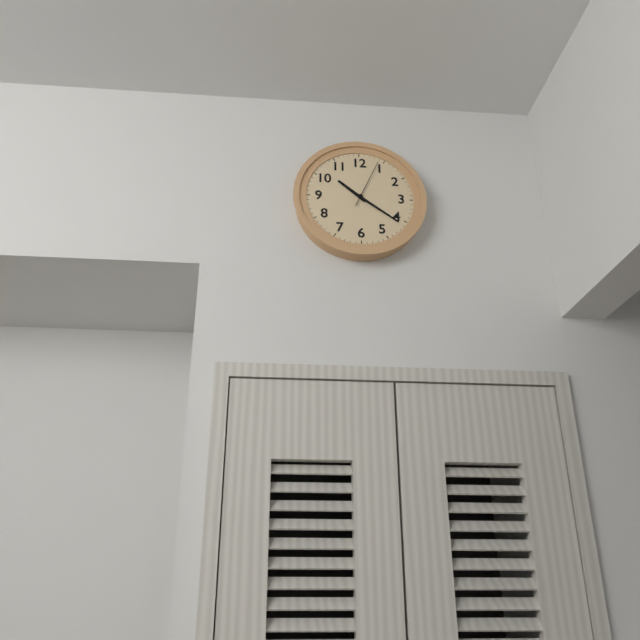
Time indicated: 10:21
